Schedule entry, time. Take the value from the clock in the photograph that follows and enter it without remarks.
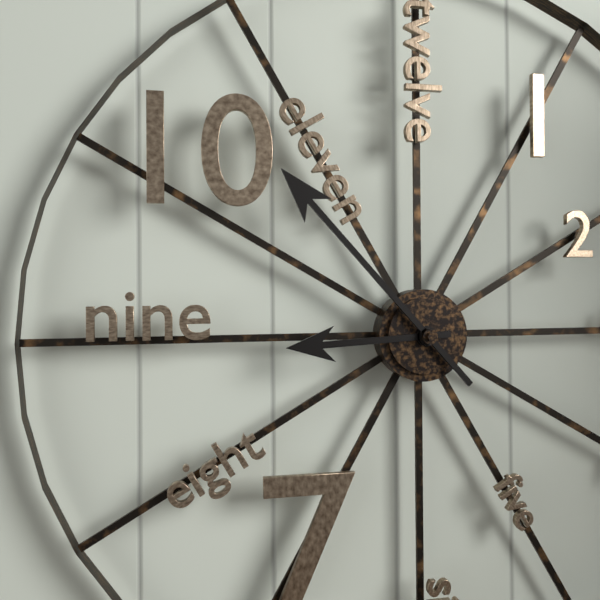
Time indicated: 8:53
